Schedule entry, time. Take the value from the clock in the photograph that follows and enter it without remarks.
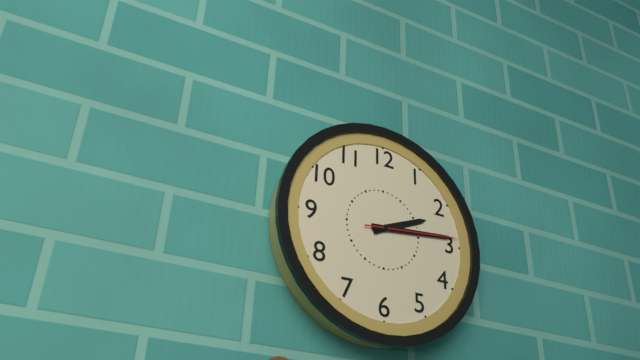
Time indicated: 2:14:14
